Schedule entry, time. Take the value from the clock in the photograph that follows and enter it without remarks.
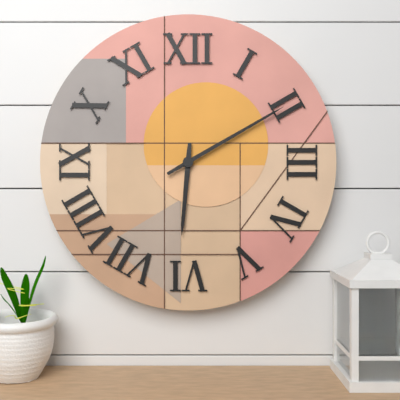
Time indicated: 6:10
